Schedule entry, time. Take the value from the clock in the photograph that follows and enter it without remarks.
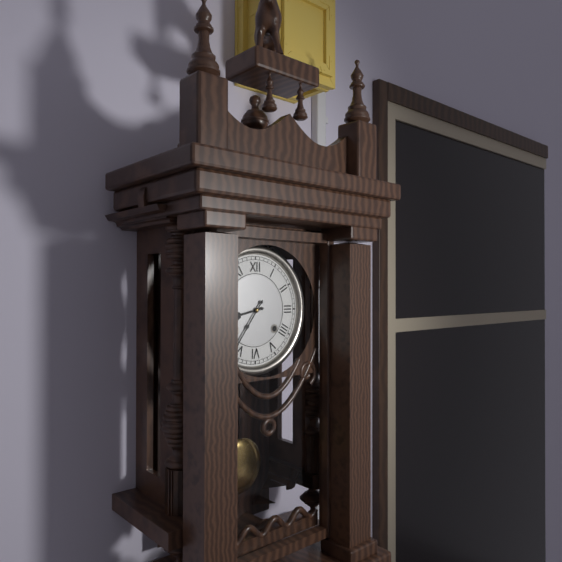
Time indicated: 8:36
